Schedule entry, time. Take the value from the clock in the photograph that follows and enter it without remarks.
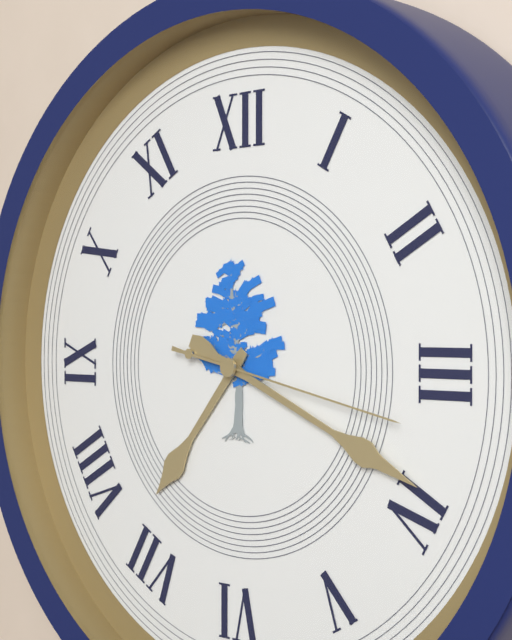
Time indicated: 7:19:17
